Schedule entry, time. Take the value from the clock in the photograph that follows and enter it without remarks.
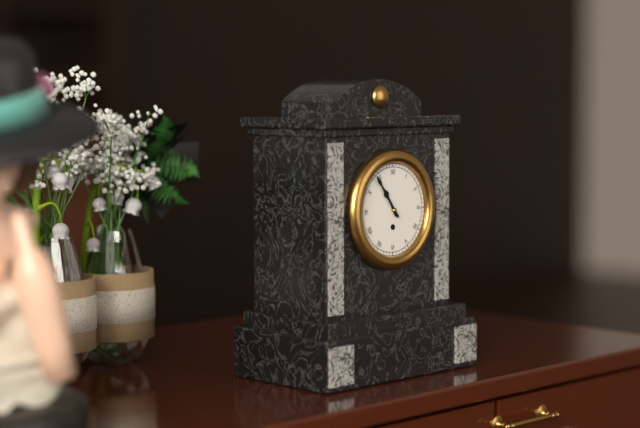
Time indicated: 10:54
